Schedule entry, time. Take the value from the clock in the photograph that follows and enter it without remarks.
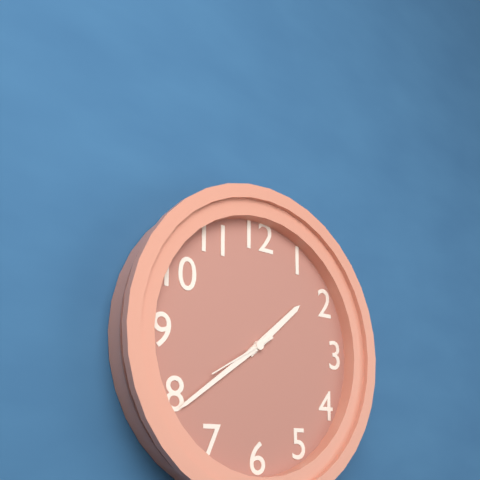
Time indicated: 1:39:40
